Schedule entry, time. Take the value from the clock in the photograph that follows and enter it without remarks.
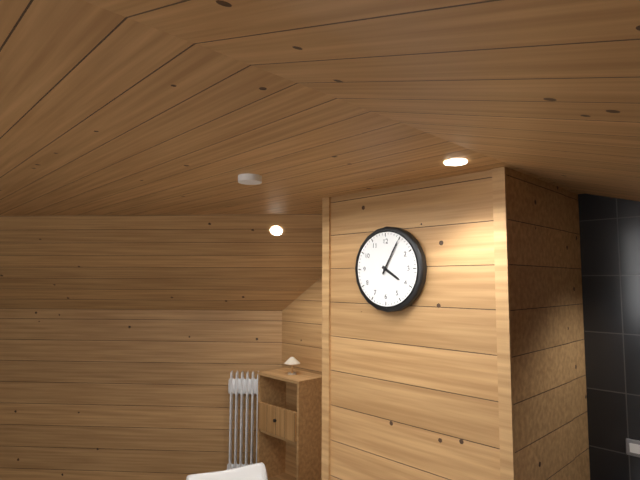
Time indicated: 4:05
